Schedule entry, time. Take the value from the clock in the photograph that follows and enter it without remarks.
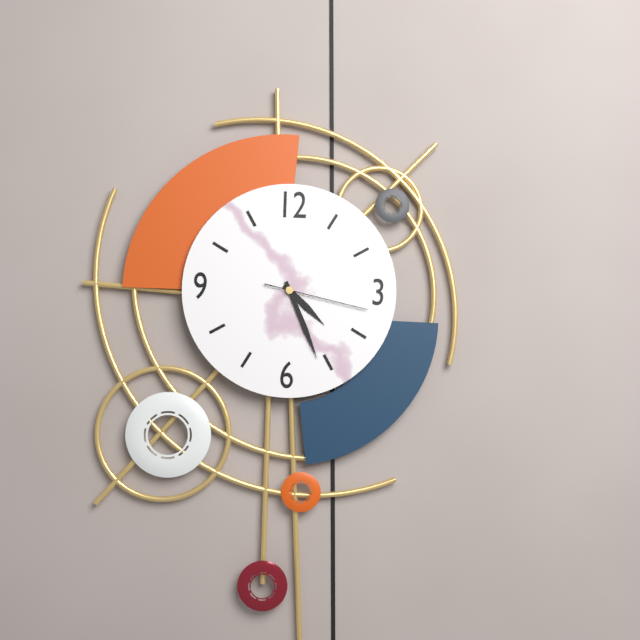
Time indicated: 4:26:17
